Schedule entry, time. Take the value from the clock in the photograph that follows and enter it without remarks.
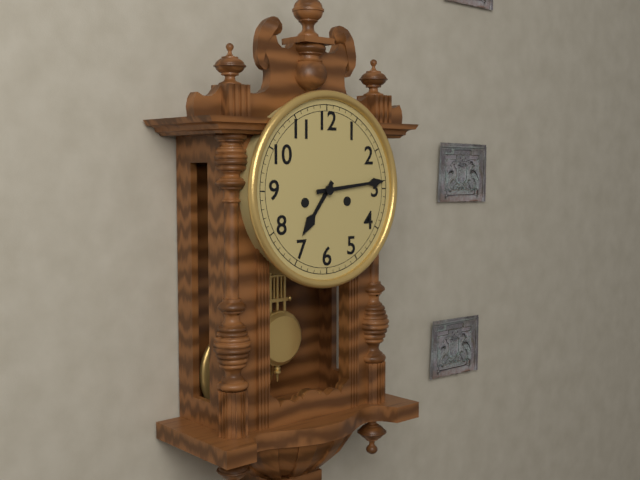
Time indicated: 7:14
